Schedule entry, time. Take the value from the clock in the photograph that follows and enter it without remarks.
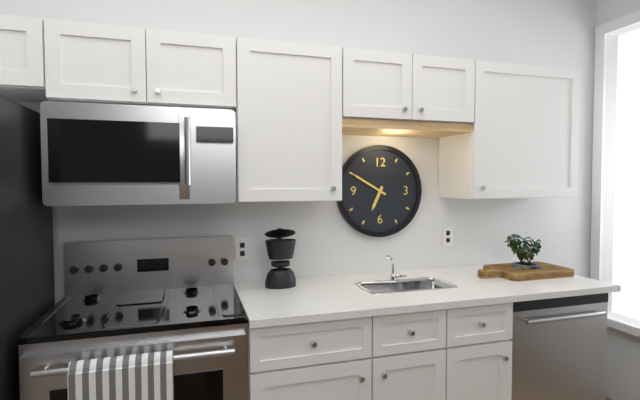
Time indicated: 6:50
